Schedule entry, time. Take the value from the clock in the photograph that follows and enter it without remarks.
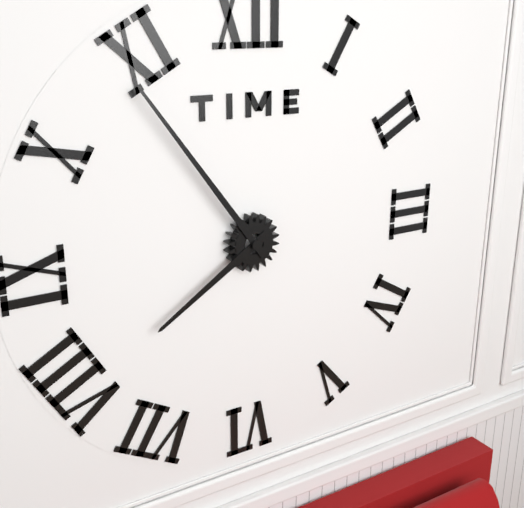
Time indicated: 7:54
